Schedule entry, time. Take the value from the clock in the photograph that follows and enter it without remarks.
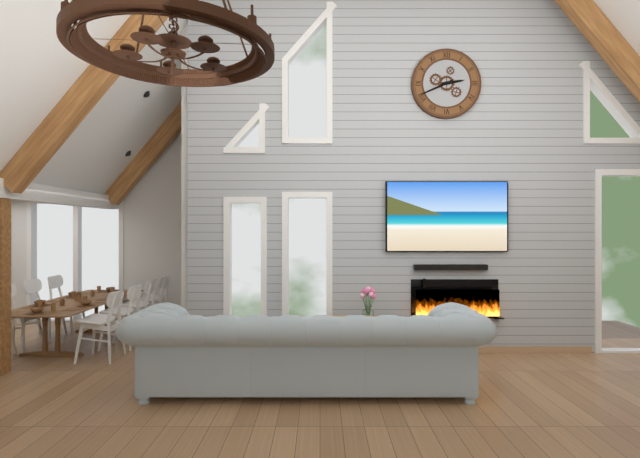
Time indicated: 2:41
